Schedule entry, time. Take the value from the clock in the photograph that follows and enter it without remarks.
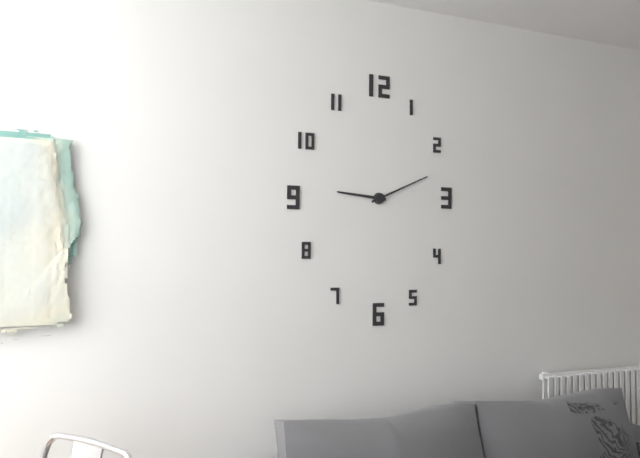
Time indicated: 9:11
